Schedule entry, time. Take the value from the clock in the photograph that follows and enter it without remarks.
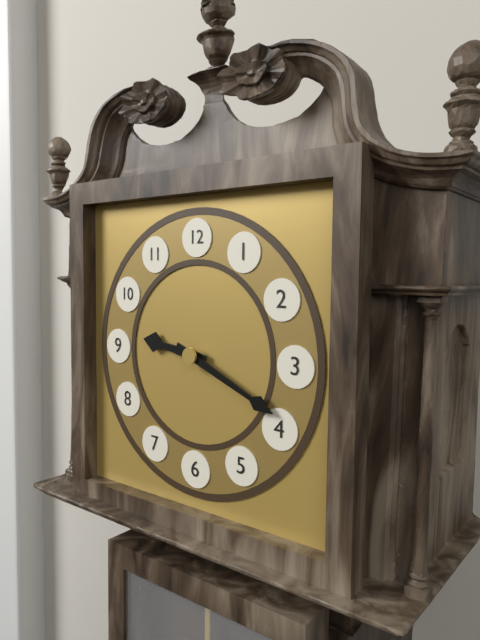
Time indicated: 9:19
